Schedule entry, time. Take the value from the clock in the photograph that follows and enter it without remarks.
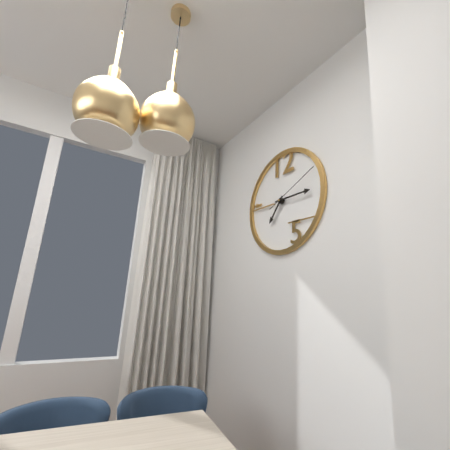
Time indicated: 7:15:11
